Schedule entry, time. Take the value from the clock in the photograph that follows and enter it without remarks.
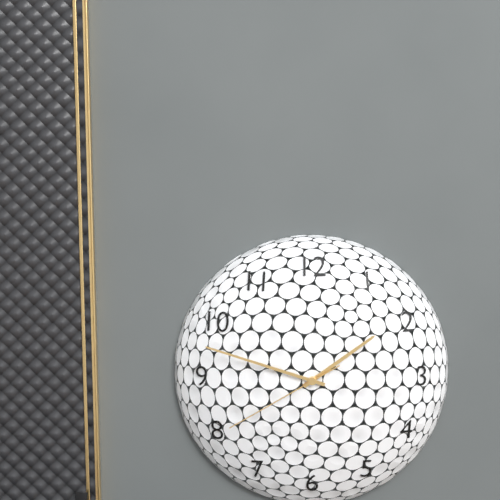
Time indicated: 1:48:40
